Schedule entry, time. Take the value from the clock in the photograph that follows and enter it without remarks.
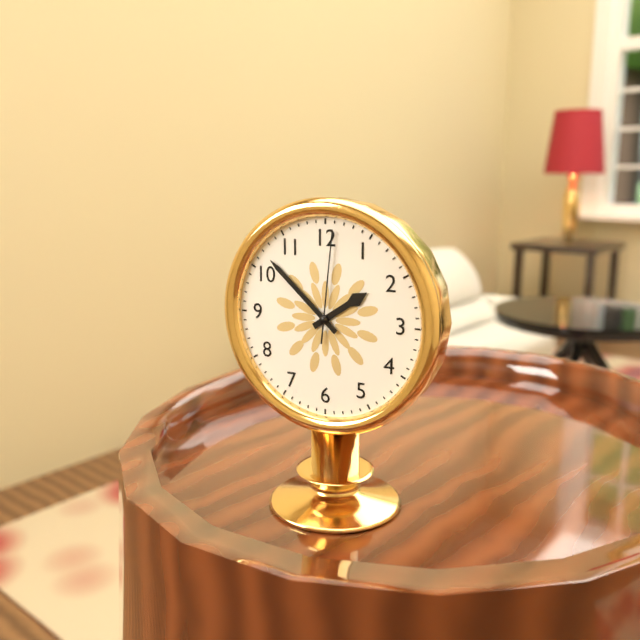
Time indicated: 1:52:01
